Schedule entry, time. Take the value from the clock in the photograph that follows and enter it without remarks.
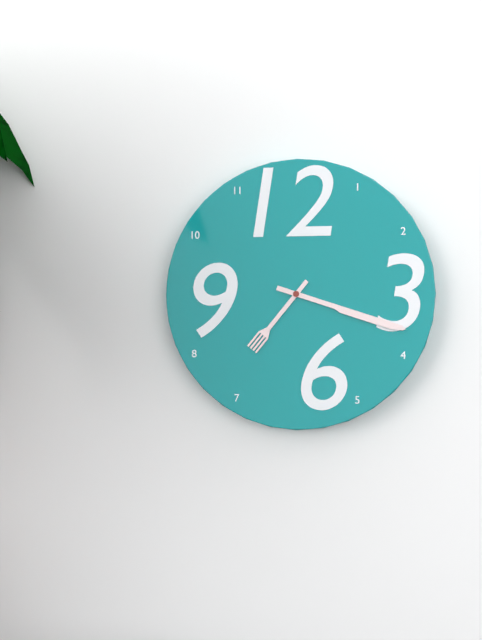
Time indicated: 7:18
